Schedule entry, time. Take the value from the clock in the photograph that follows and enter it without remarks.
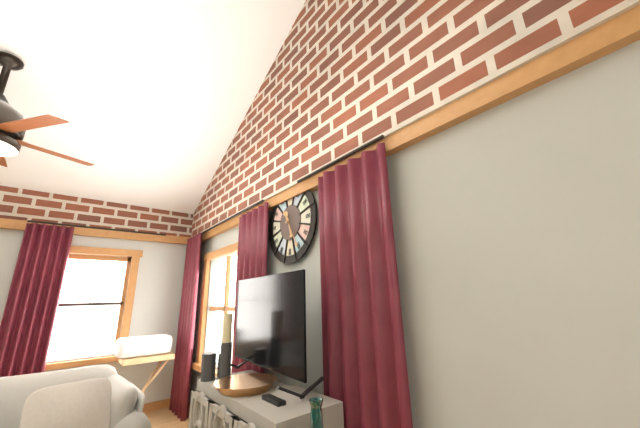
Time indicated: 5:25
